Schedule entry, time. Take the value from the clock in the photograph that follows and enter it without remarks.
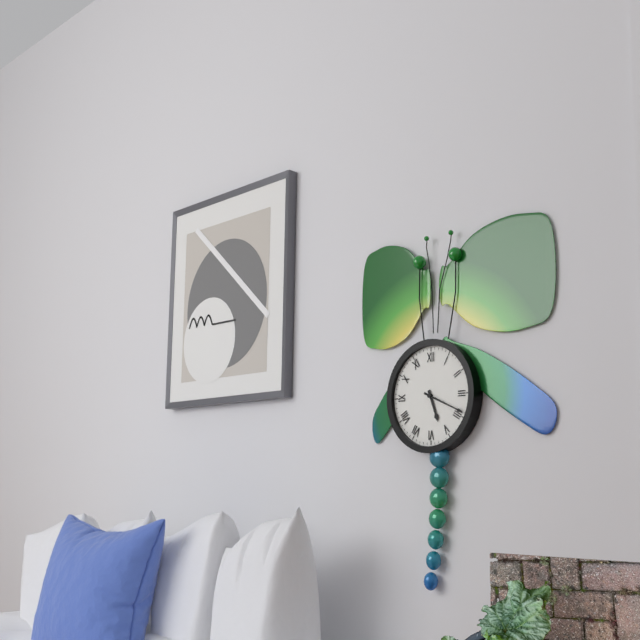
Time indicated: 5:19
